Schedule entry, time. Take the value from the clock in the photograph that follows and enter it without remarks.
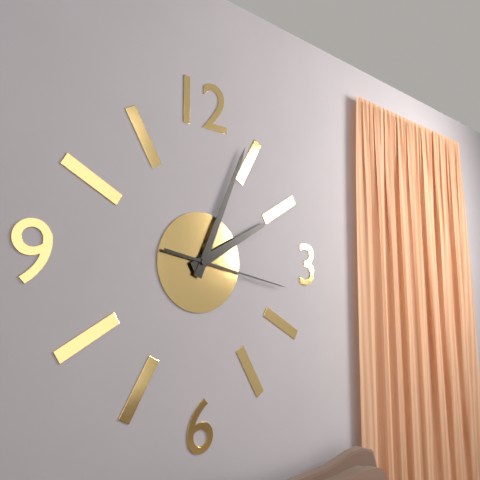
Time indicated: 2:04:17
